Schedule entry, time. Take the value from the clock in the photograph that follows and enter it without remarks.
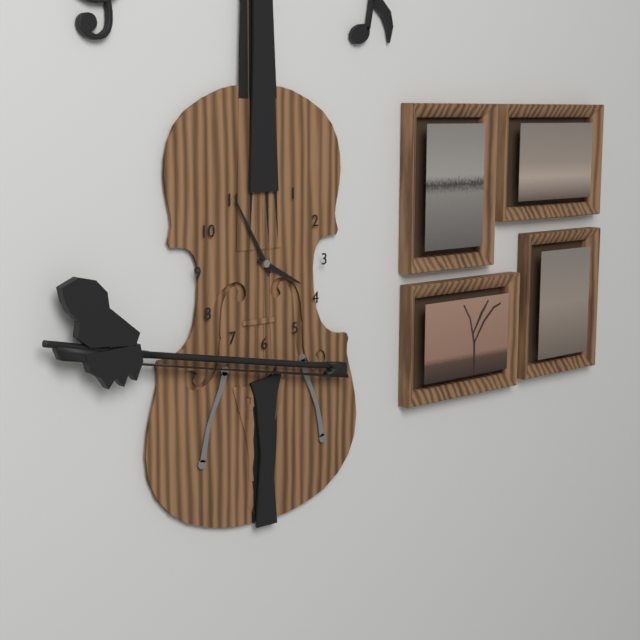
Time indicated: 3:55
